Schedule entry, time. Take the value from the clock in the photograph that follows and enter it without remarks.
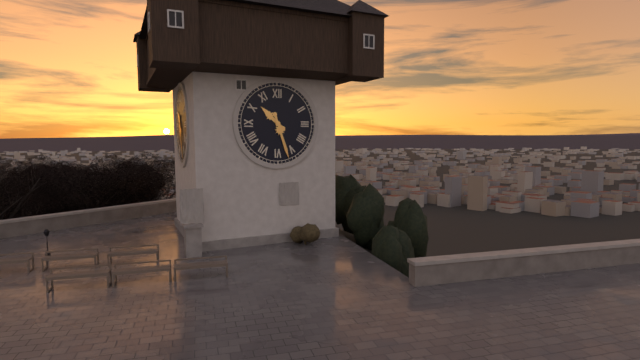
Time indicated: 10:27
